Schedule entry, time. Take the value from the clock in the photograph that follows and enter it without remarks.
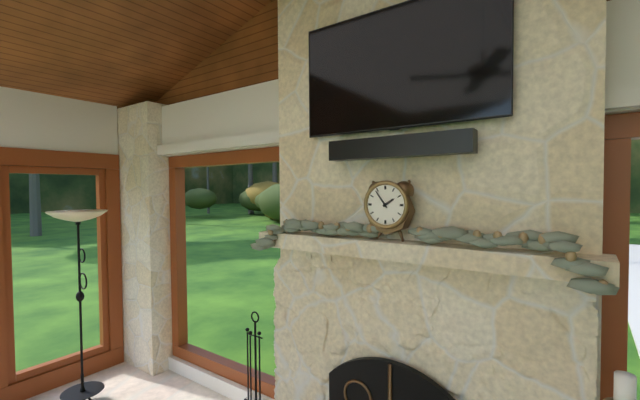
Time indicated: 1:54
